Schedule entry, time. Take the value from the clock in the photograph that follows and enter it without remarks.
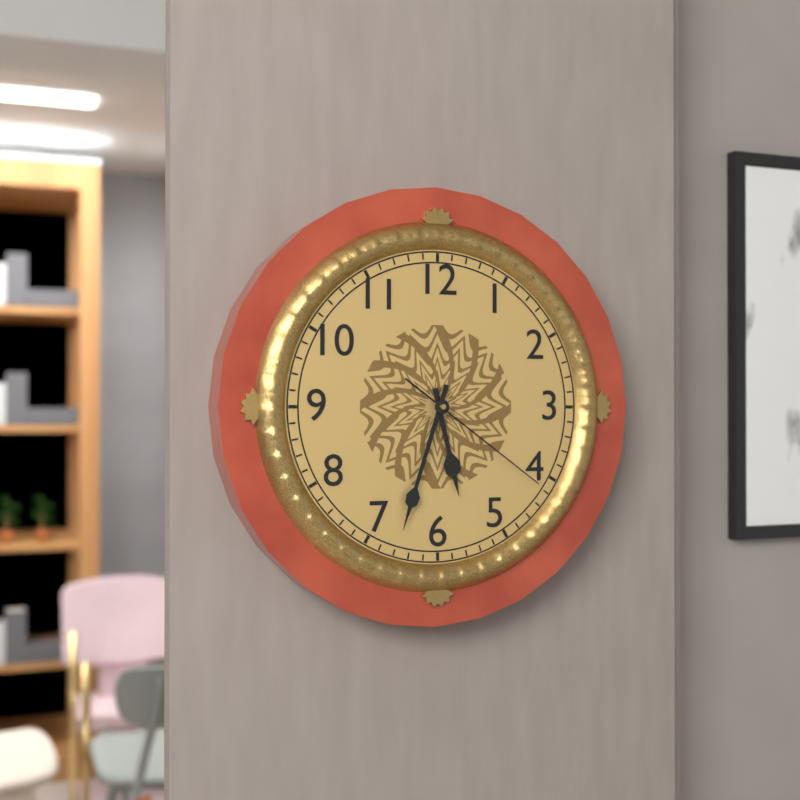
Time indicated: 5:33:21
